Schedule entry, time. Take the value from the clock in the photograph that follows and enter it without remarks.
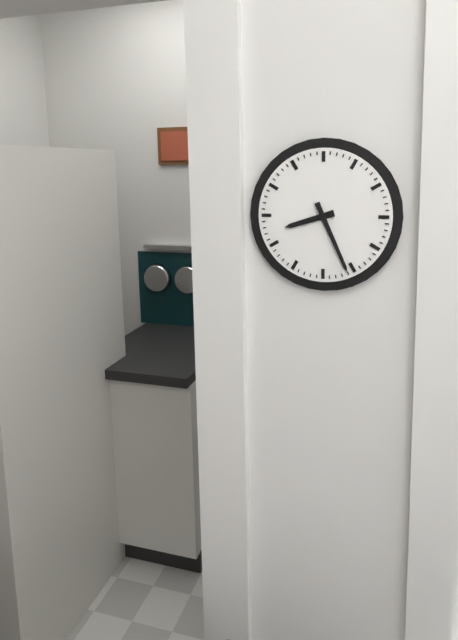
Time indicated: 8:26
